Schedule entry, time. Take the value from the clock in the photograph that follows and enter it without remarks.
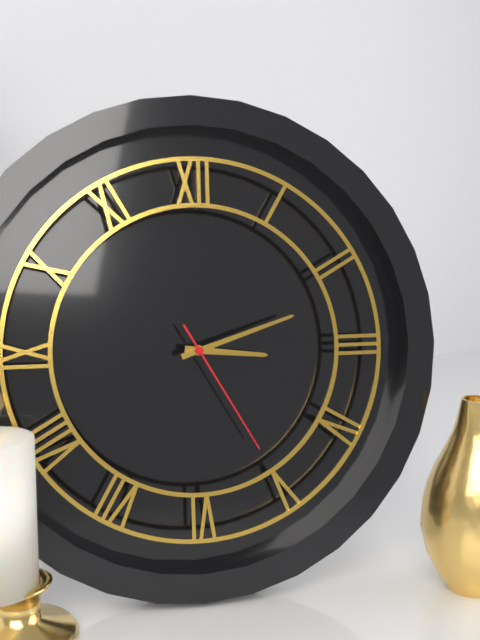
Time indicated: 3:12:25
